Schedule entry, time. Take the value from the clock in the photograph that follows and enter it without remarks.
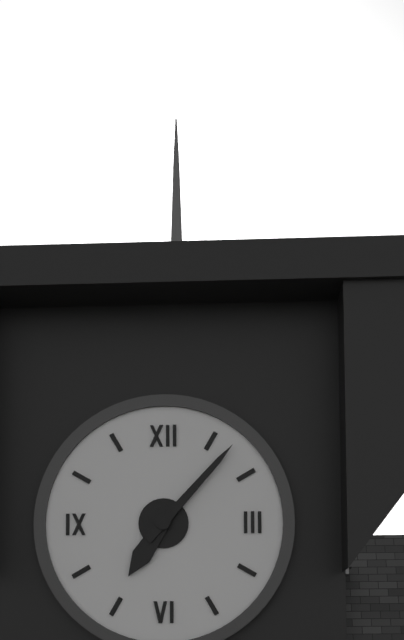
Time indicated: 7:07
